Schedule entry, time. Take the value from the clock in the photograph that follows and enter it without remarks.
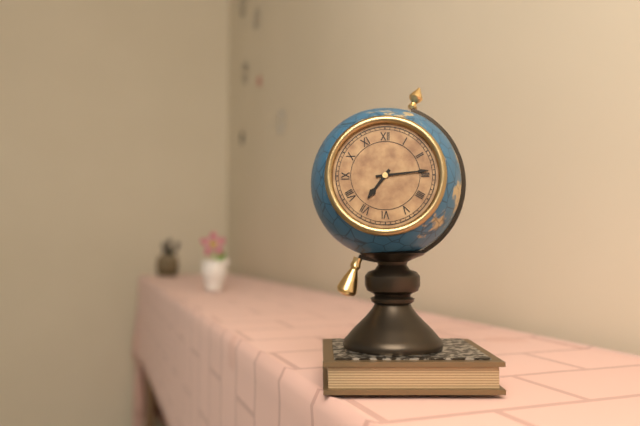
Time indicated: 7:14
